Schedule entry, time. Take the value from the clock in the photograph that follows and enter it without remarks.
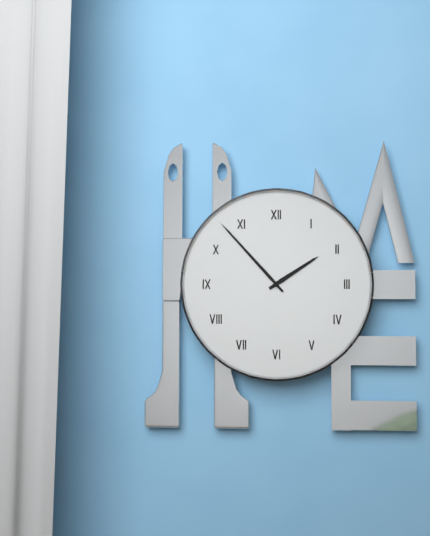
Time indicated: 1:53
